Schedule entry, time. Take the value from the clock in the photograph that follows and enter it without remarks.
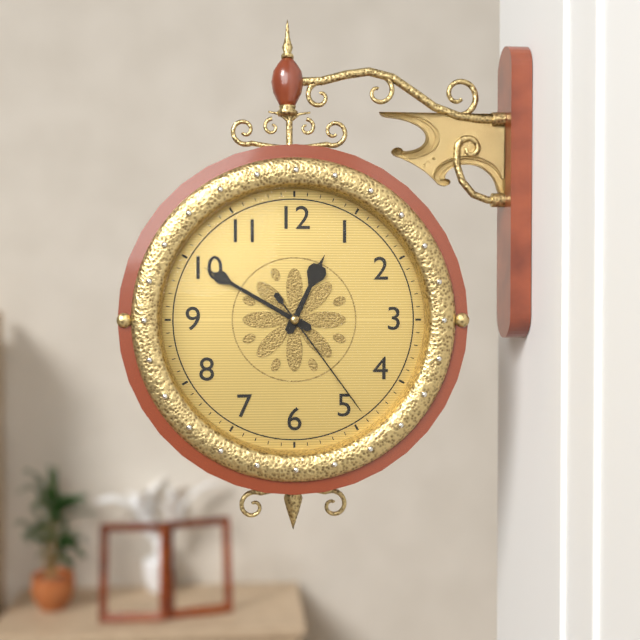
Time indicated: 12:50:24
